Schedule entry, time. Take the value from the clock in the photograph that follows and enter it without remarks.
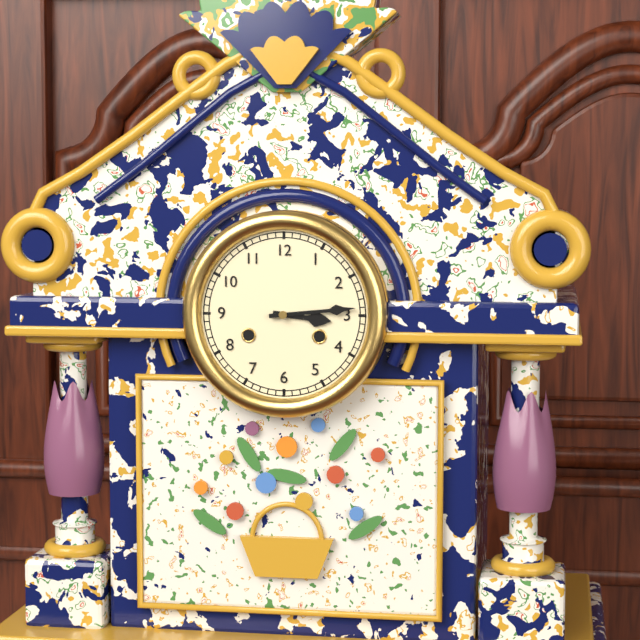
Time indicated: 3:14
